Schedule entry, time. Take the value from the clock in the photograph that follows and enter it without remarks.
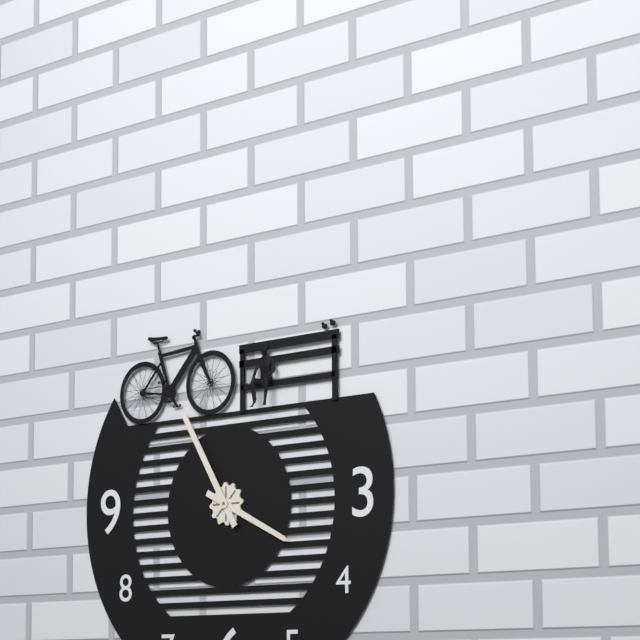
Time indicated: 3:55
